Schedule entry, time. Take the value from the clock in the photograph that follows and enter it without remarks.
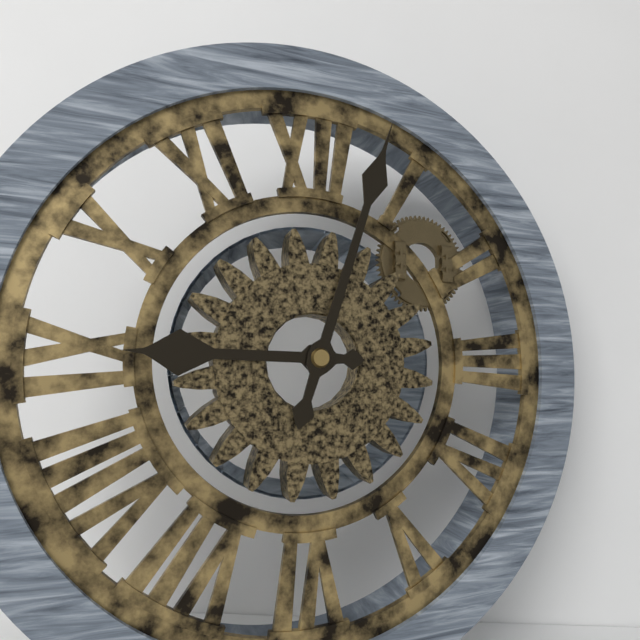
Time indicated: 9:03
